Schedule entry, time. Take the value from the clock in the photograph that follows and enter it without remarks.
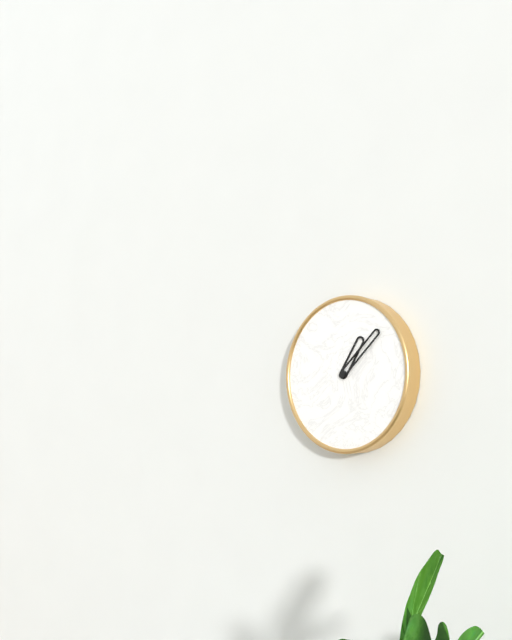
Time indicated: 1:08
